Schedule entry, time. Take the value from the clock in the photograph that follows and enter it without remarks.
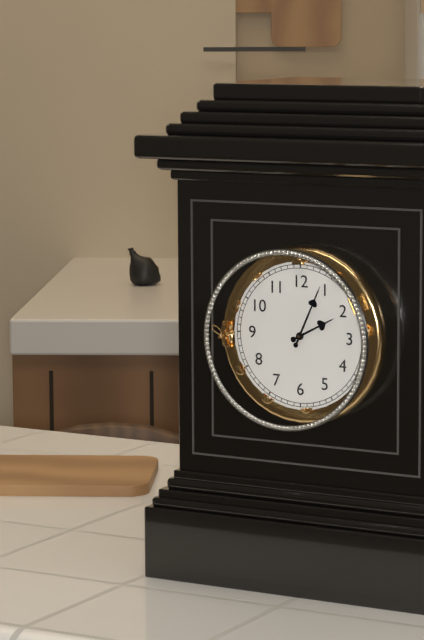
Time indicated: 2:04
